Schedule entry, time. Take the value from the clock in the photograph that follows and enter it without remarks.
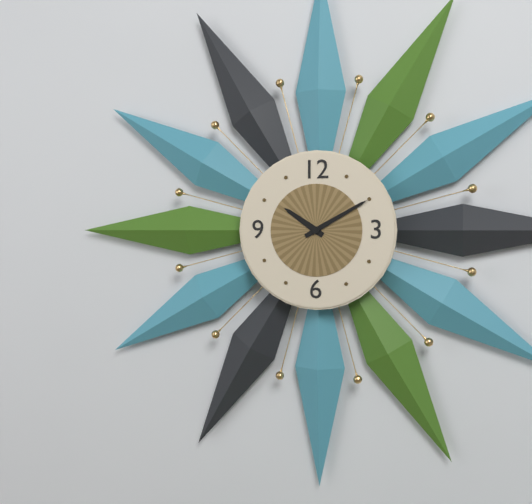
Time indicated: 10:10
